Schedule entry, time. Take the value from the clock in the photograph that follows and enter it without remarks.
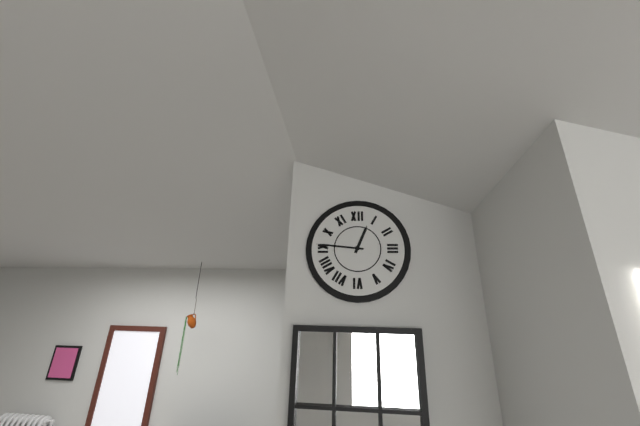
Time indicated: 12:46
